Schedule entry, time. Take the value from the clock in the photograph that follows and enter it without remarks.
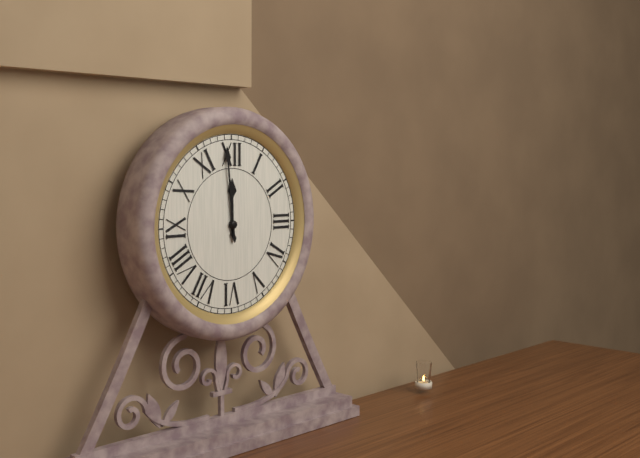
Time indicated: 11:59
